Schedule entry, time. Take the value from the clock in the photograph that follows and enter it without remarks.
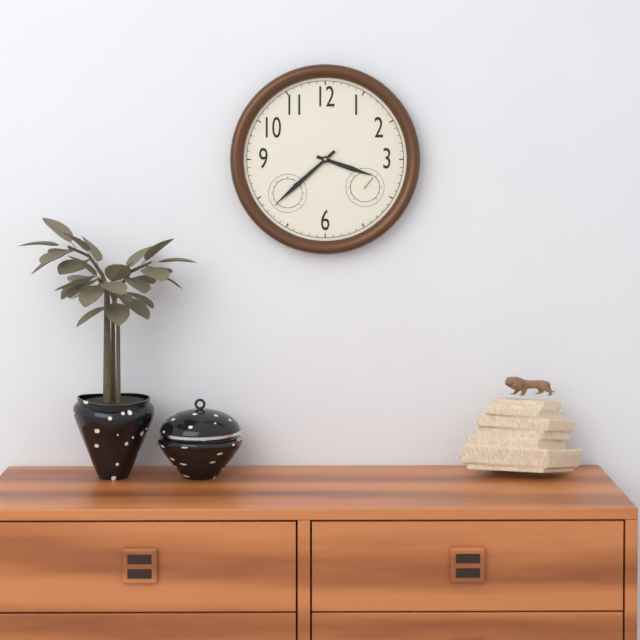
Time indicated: 3:38
